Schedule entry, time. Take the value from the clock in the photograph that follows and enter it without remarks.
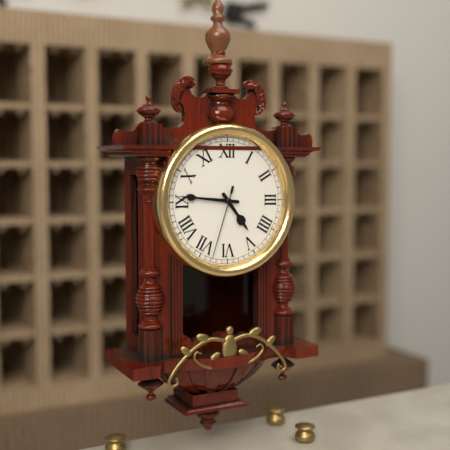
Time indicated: 4:46:33
